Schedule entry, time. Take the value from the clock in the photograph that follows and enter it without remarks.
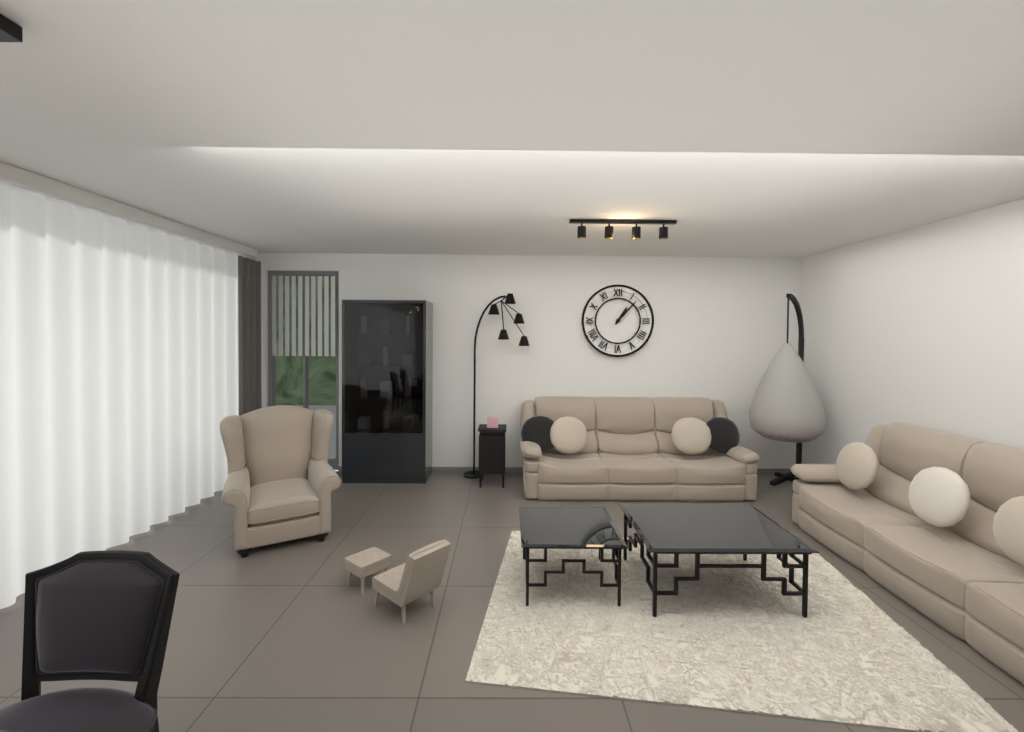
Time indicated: 1:07
